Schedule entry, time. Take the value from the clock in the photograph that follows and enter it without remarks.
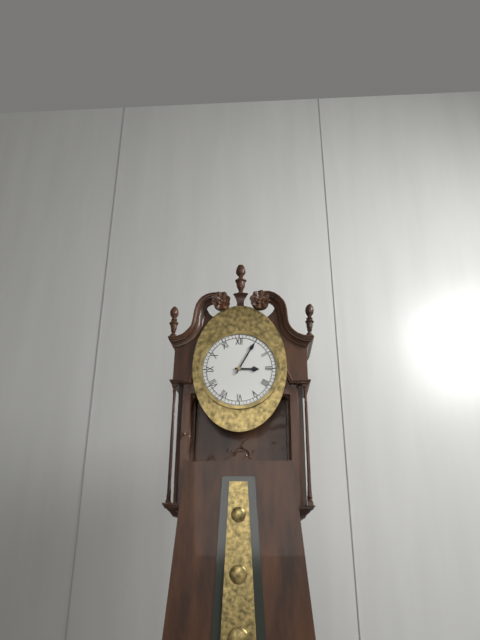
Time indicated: 3:05
